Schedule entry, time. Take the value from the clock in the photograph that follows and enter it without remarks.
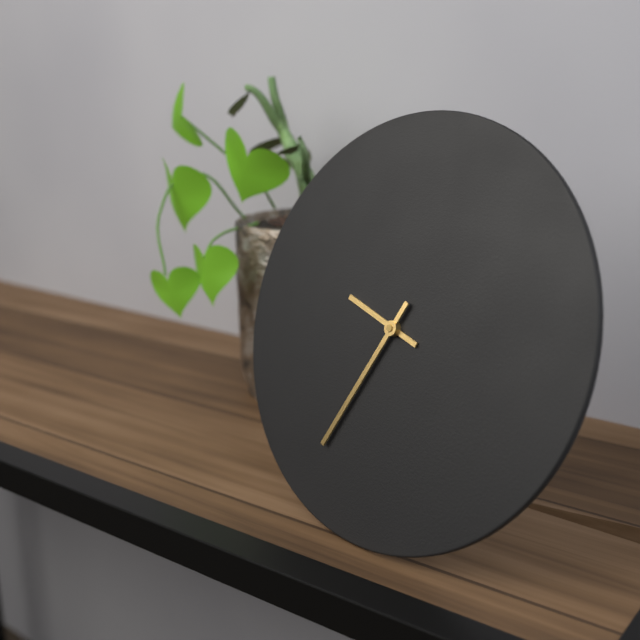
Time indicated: 9:34
